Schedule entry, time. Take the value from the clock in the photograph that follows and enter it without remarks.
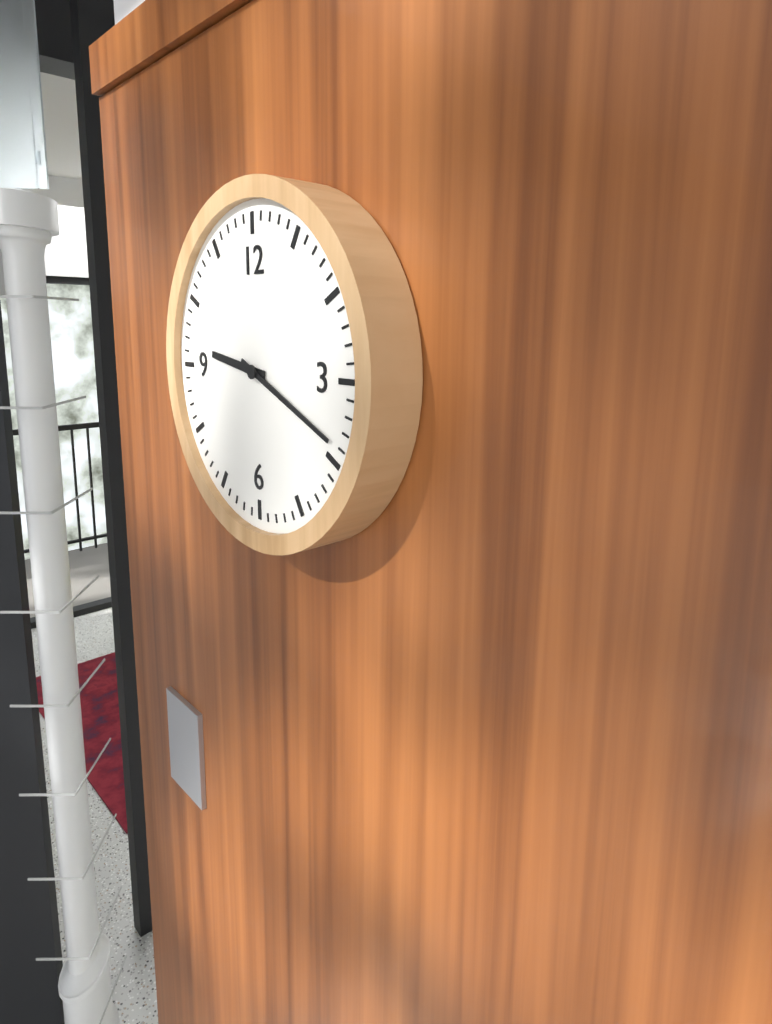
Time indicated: 9:19
